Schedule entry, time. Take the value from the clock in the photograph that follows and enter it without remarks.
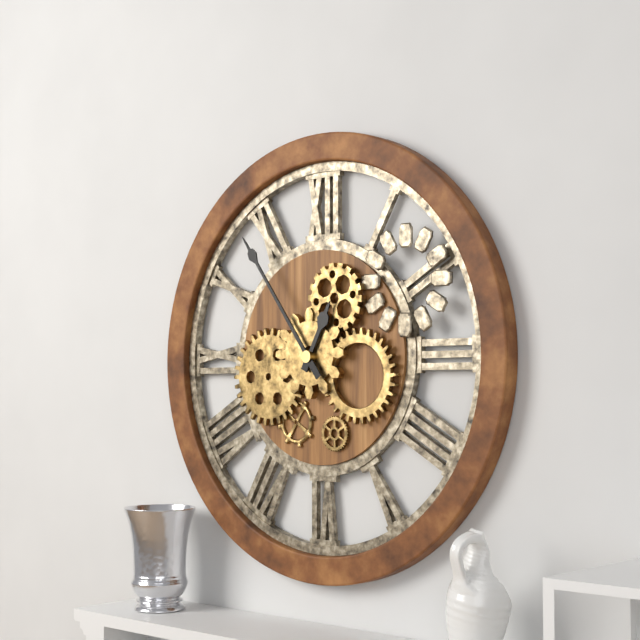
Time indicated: 12:54
